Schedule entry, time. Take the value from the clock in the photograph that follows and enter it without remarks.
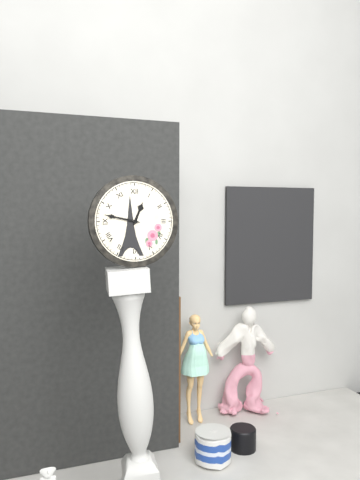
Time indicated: 12:47
